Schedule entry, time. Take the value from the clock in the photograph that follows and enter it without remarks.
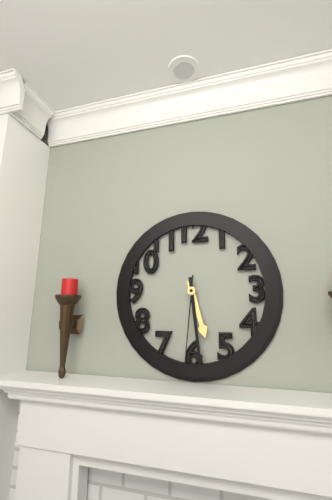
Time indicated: 5:29:31
